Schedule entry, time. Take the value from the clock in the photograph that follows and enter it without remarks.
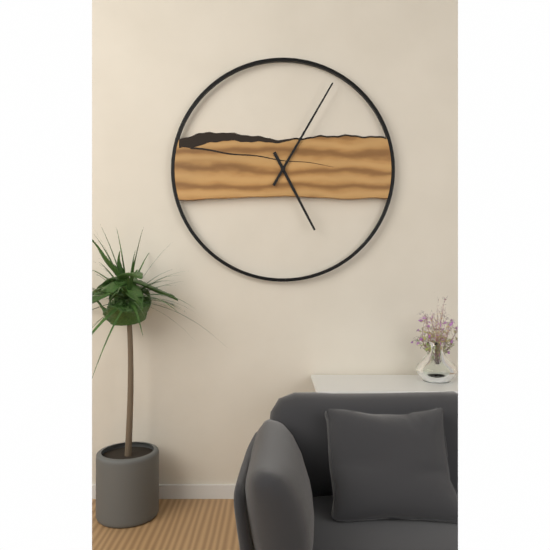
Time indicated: 5:05
